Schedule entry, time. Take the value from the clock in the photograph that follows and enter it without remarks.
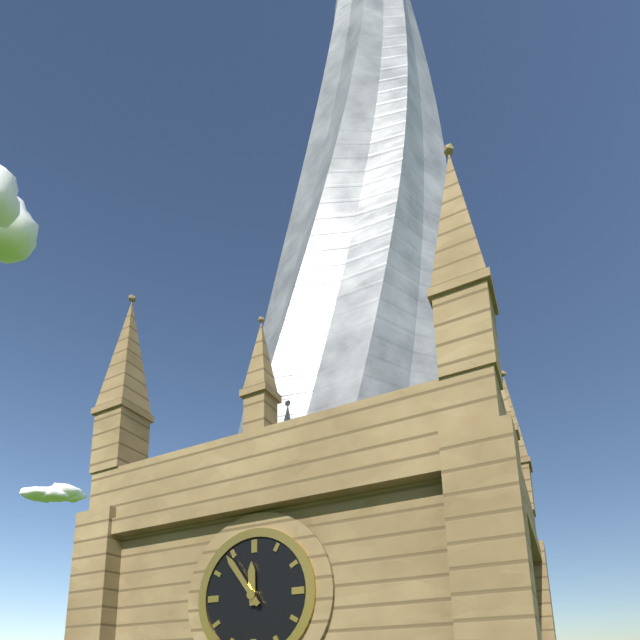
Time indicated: 11:54
